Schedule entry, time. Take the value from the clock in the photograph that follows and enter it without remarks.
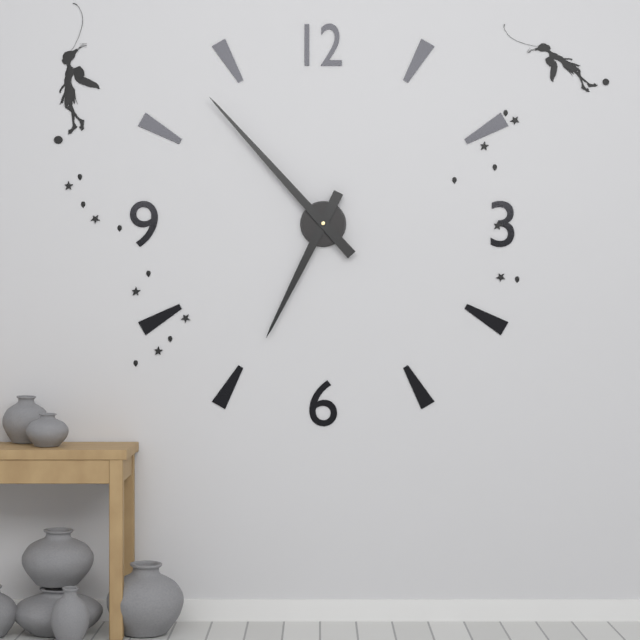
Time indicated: 6:53
